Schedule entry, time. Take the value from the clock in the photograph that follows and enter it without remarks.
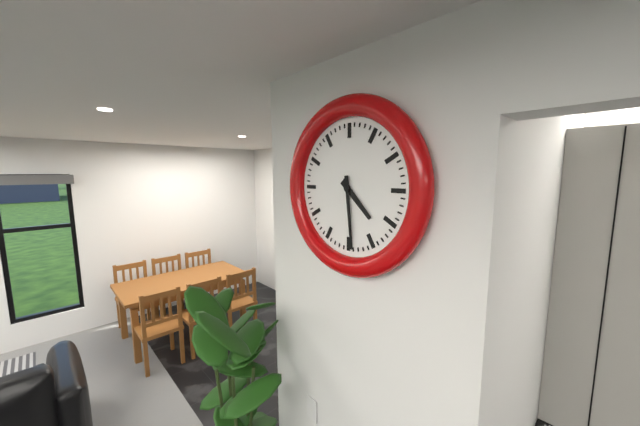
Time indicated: 4:29
